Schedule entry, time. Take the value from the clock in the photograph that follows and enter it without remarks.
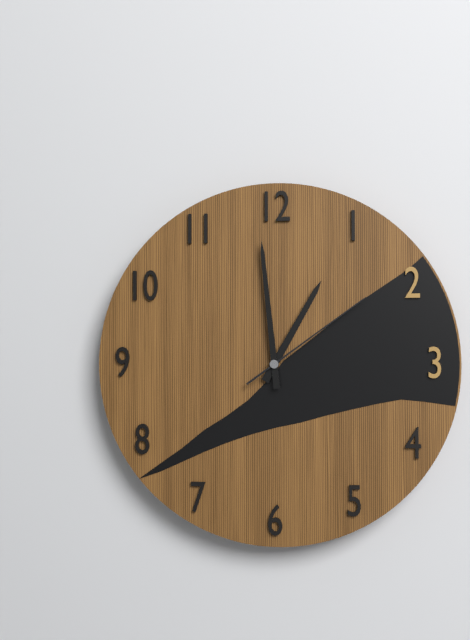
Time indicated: 12:59:09
